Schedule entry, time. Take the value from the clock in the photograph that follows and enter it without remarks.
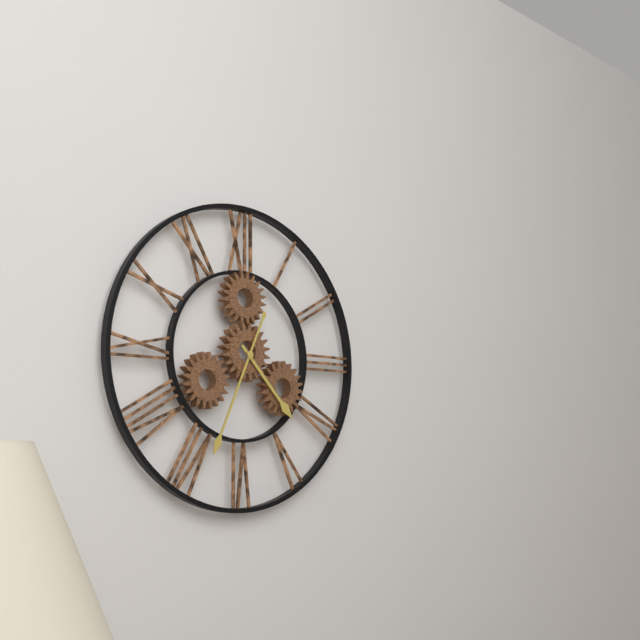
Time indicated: 4:34
